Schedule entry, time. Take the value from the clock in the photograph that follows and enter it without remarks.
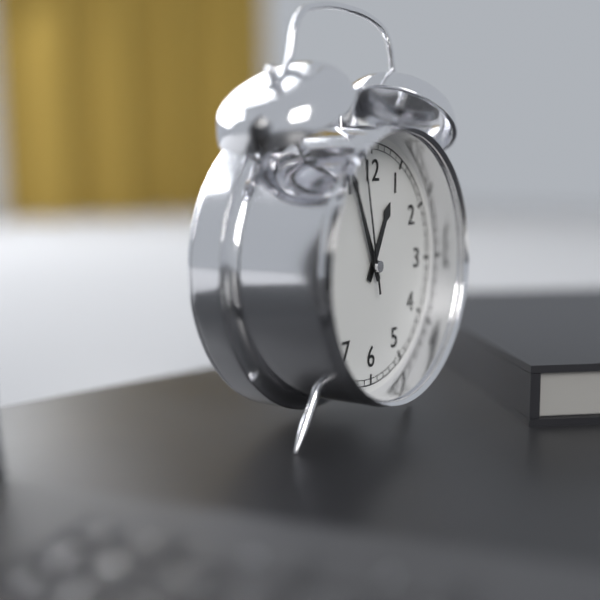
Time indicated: 12:56:58
